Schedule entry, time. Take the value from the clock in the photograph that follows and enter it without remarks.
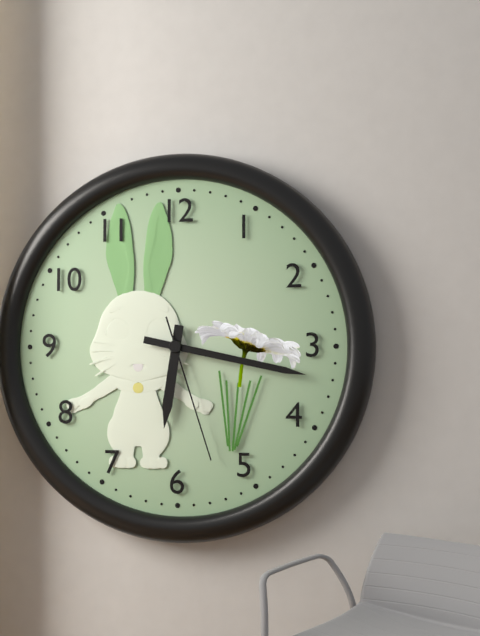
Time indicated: 6:17:27
